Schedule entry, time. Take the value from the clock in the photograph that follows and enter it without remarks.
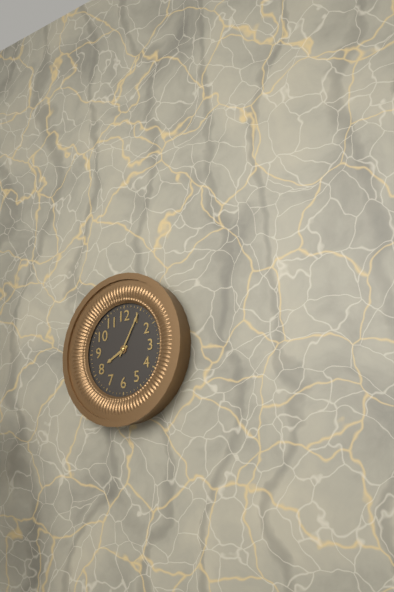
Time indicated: 8:05
